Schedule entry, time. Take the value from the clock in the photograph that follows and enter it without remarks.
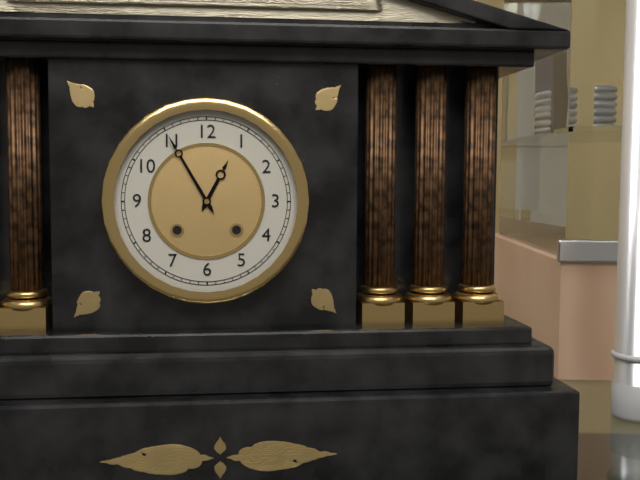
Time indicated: 12:55
